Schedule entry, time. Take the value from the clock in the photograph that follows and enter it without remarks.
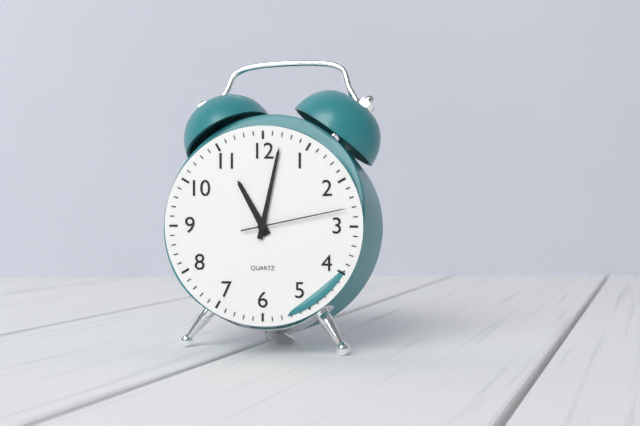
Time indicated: 11:02:13
